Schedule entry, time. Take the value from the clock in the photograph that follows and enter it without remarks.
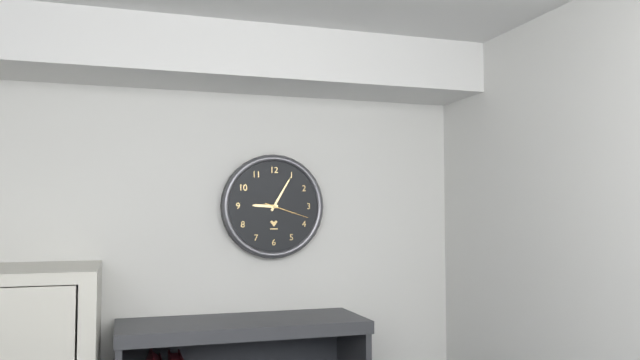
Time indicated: 9:05
